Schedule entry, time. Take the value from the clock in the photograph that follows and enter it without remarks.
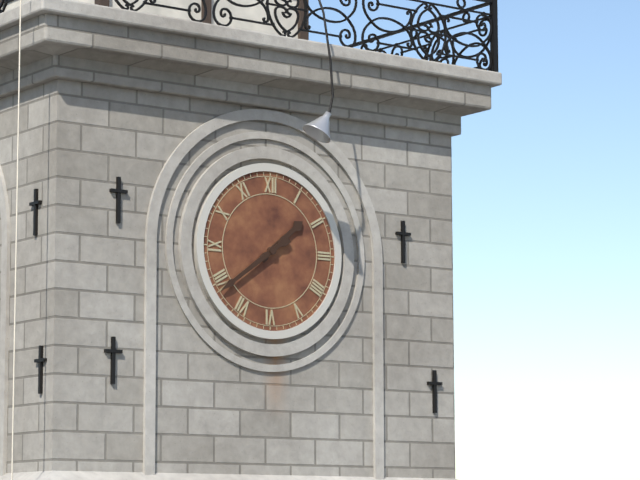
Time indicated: 1:39
